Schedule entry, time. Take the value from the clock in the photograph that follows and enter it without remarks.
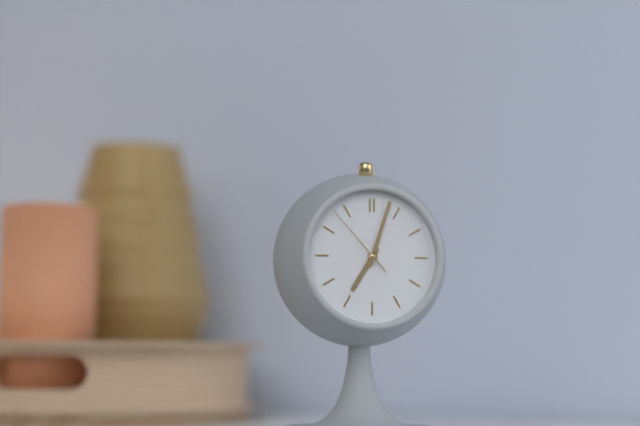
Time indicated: 7:03:53
